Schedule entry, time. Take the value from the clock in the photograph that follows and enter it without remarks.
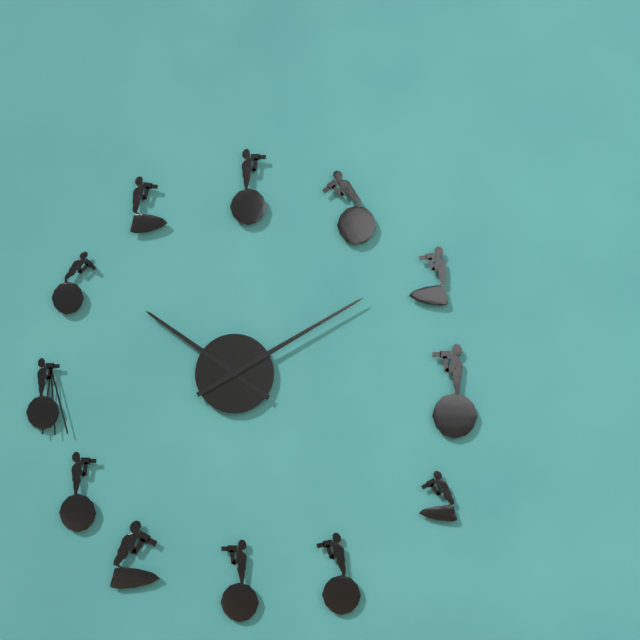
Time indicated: 10:10
